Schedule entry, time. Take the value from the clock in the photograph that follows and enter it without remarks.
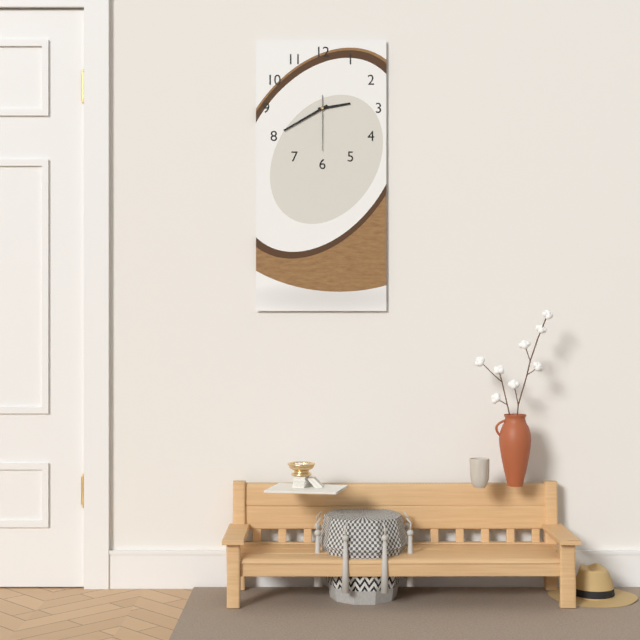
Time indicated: 2:40:30
